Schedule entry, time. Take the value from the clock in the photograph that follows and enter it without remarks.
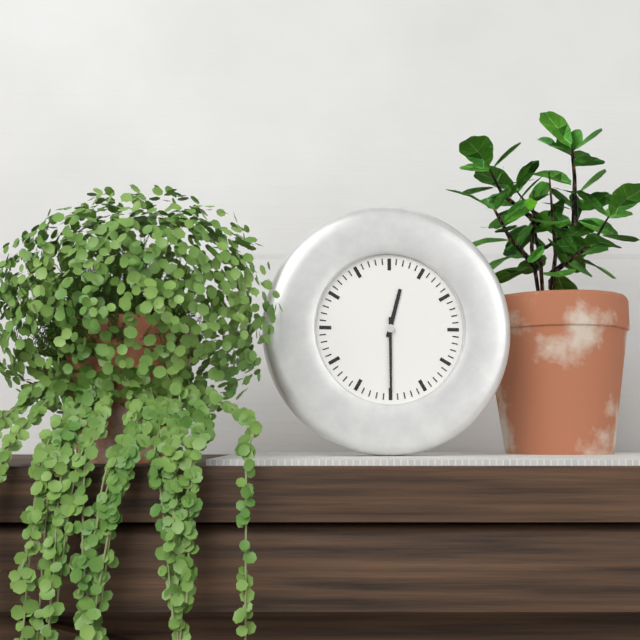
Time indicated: 12:30
